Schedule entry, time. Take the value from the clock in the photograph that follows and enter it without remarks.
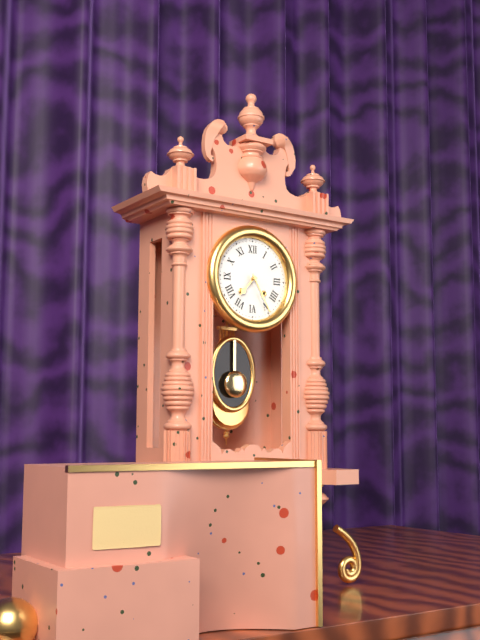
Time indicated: 7:25
